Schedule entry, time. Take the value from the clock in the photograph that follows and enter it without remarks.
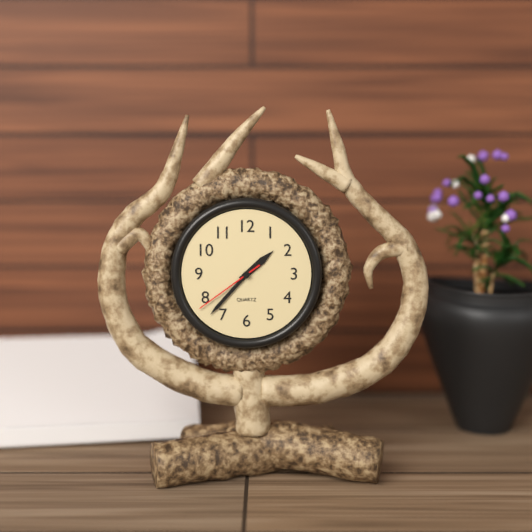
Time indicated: 1:37:39
